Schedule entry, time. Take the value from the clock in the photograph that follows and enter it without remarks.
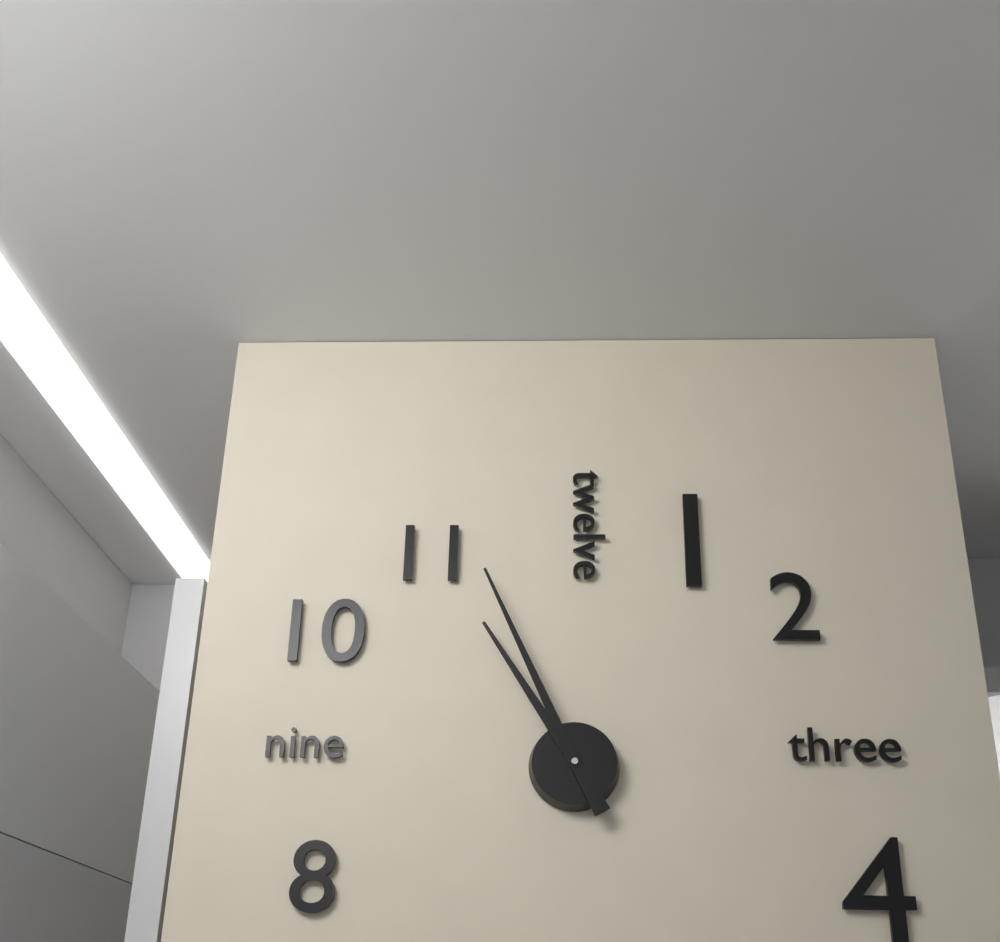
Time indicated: 10:56
